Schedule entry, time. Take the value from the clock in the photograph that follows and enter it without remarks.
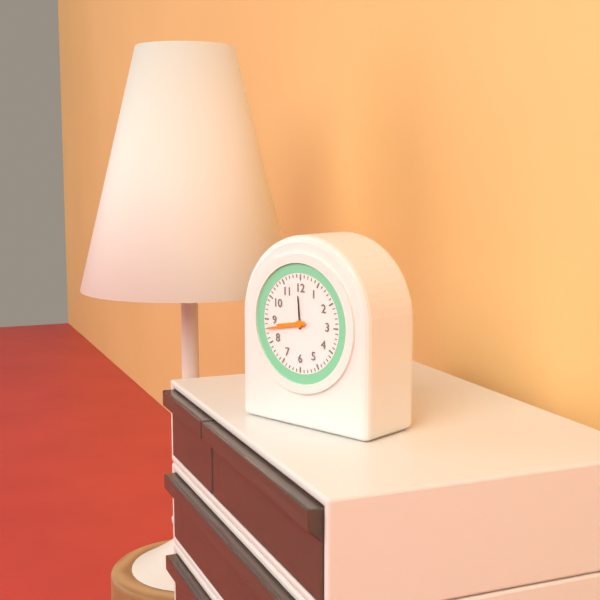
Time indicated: 8:43
